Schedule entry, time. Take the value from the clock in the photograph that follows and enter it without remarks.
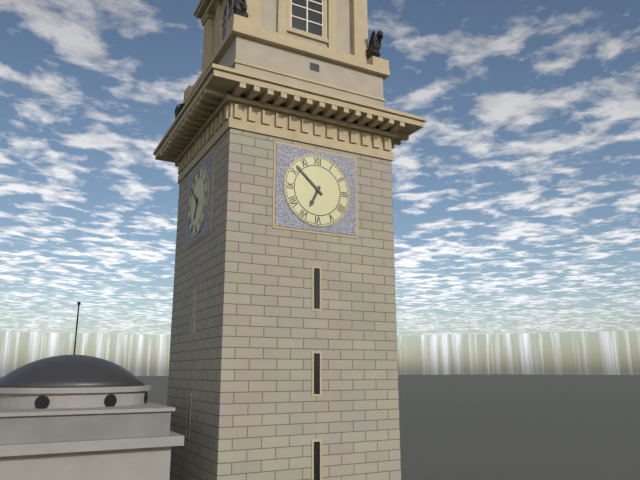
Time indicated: 6:52
